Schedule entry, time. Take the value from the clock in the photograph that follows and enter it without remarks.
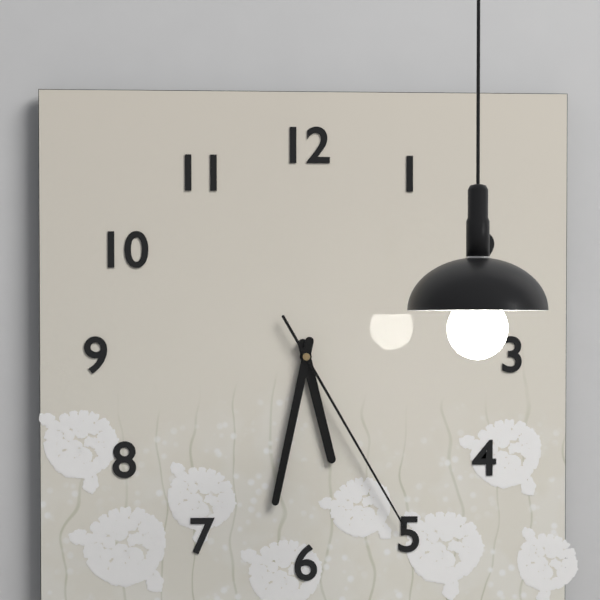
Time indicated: 5:32:25
